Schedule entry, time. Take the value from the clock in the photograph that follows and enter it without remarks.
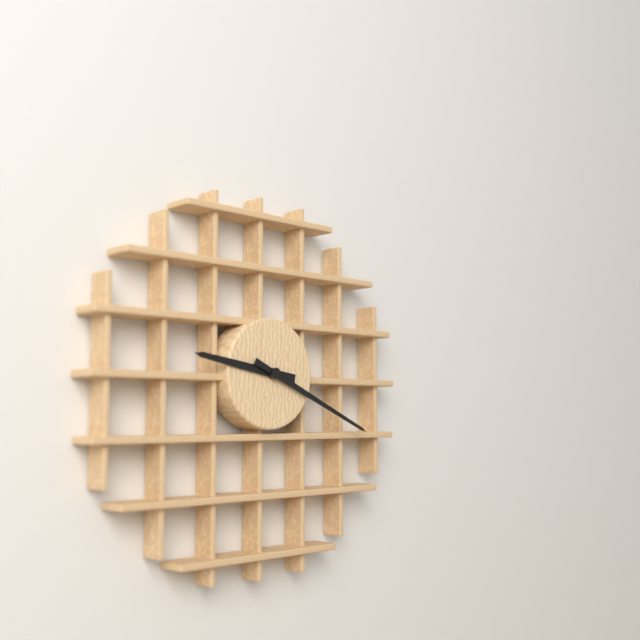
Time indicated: 9:19
